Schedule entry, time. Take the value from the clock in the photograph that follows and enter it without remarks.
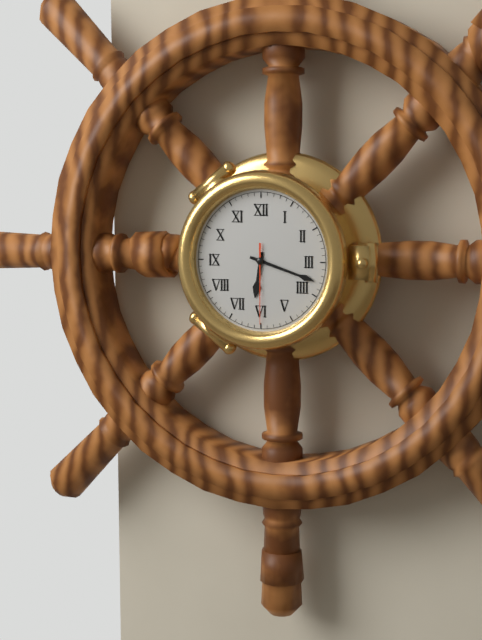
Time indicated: 6:18:30
